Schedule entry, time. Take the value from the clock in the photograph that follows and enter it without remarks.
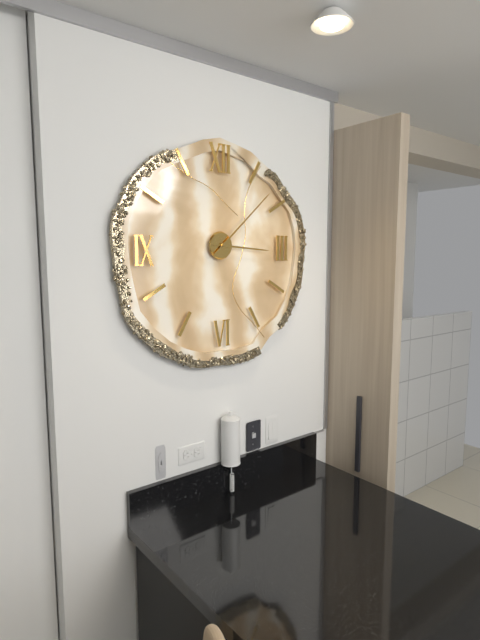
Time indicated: 3:08
